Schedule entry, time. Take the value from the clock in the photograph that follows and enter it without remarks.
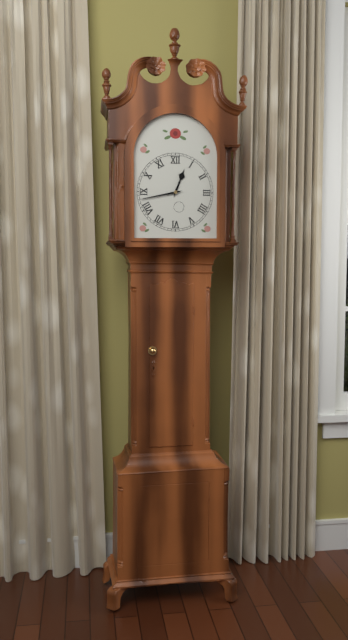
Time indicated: 12:43
